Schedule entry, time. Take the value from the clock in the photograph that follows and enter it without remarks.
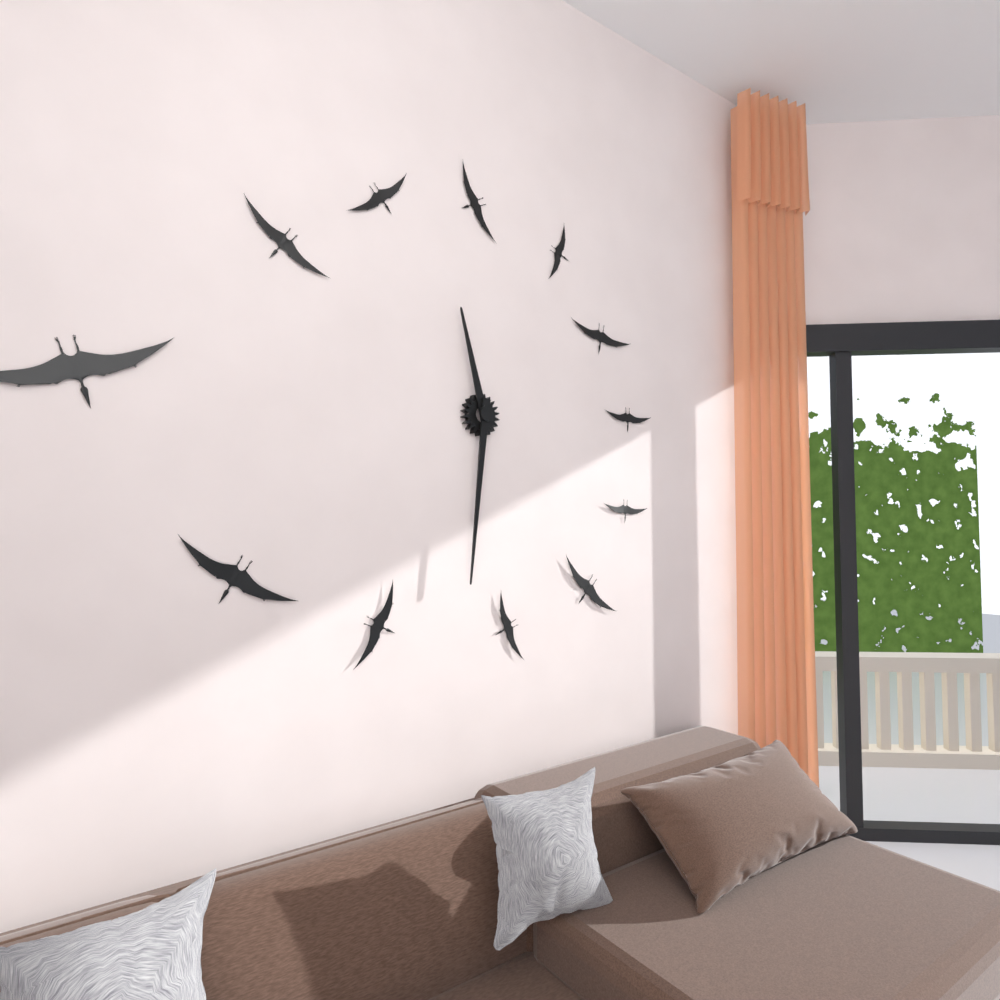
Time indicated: 11:31
